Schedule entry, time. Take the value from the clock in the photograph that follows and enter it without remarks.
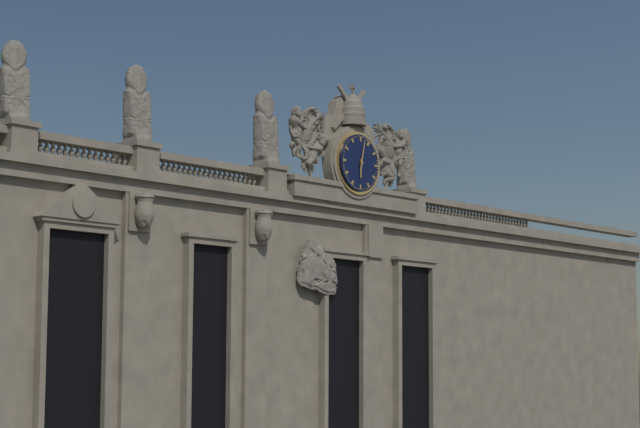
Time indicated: 6:02
